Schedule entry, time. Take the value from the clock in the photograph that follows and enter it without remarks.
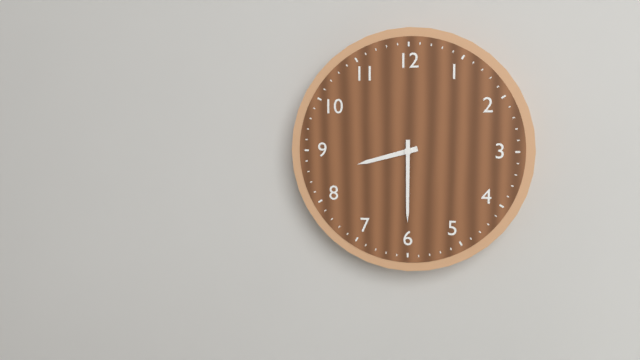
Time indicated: 8:30
